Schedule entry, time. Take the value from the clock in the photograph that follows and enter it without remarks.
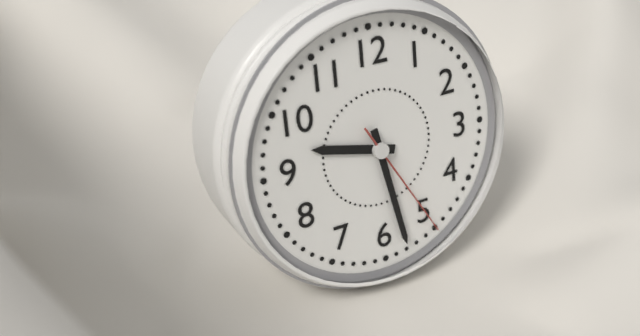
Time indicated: 9:28:25
